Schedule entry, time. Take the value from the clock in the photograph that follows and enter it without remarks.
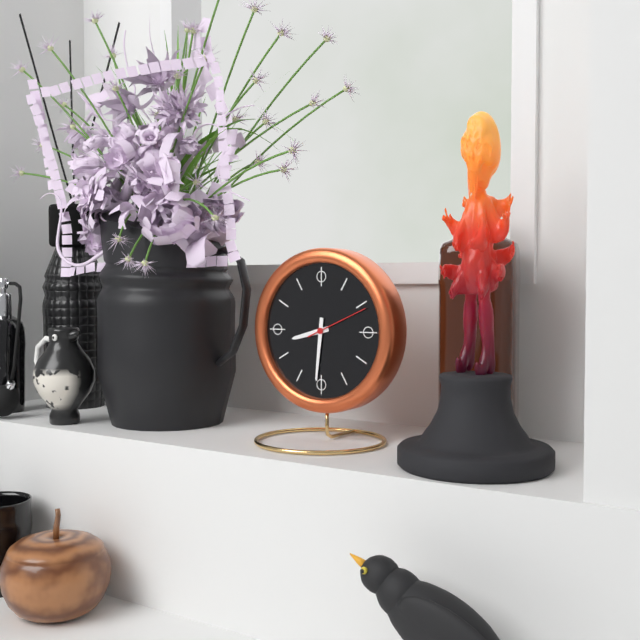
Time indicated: 8:31:11
